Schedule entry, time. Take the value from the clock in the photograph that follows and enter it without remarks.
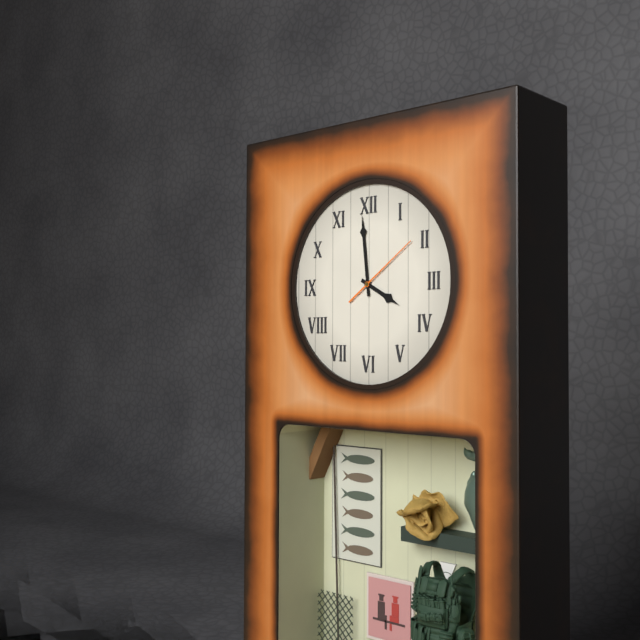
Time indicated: 3:59:09
